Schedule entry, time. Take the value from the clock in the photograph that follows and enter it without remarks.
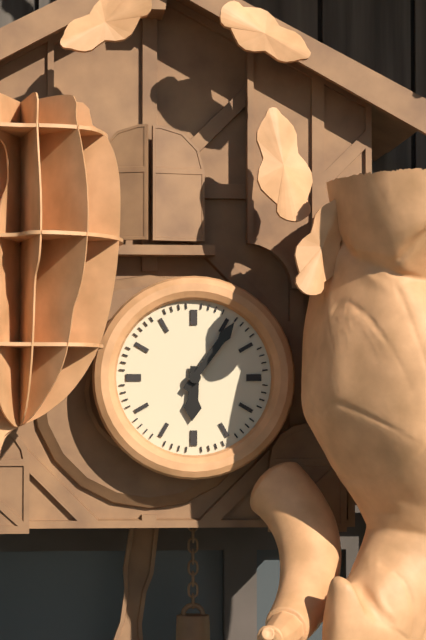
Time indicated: 6:06
